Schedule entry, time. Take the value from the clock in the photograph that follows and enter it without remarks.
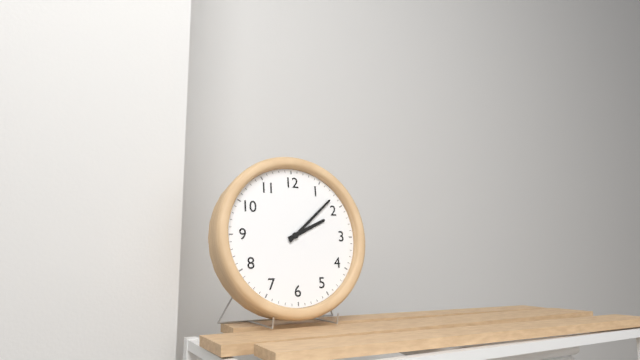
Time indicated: 2:08
